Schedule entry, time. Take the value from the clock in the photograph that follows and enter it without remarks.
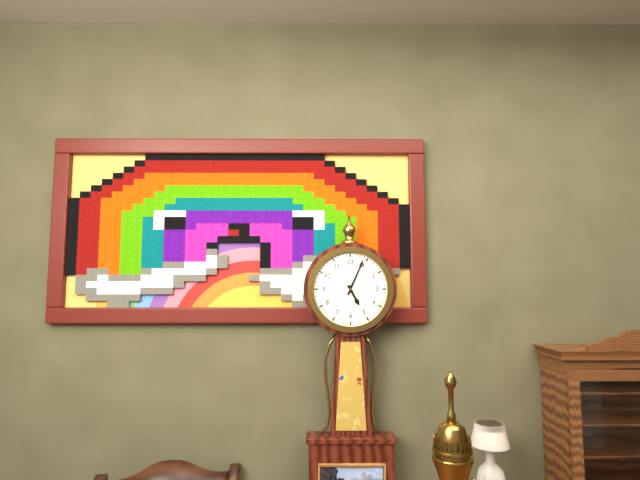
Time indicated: 5:04
